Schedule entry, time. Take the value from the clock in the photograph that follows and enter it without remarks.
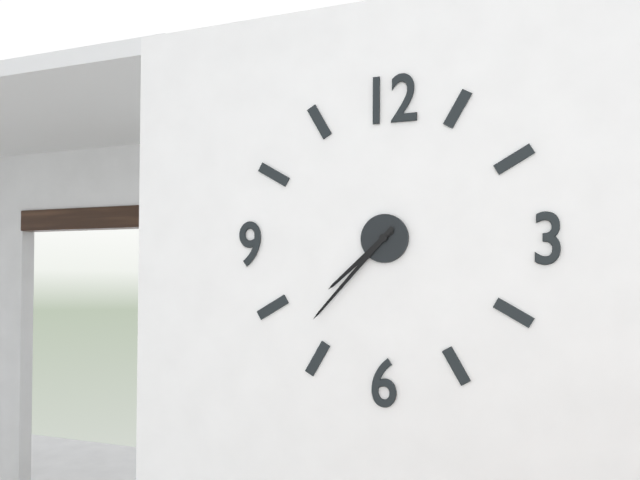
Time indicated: 7:37
